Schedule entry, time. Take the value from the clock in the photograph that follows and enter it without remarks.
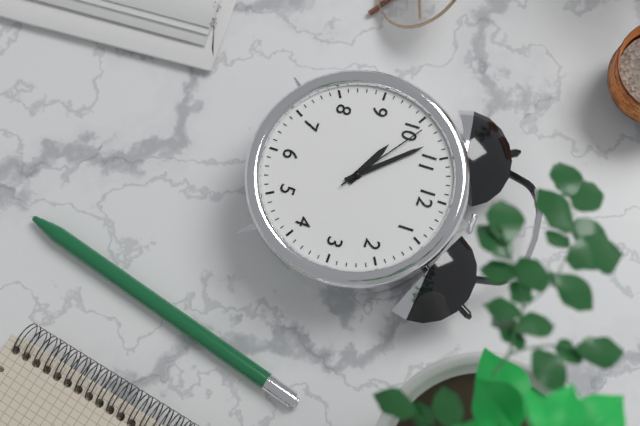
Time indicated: 9:53:51
